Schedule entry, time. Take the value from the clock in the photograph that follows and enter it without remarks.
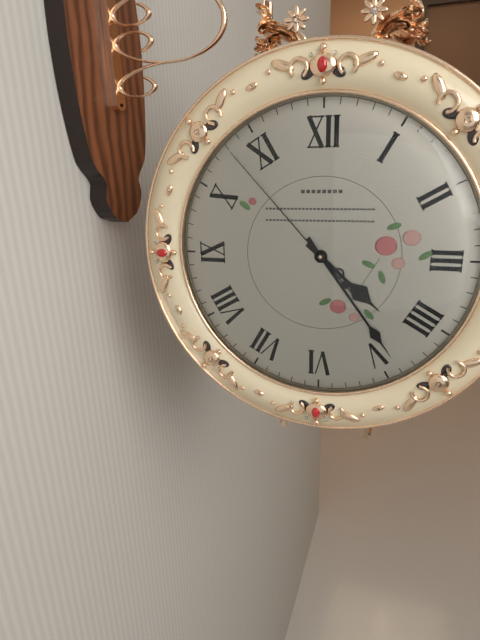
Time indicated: 4:24:53
